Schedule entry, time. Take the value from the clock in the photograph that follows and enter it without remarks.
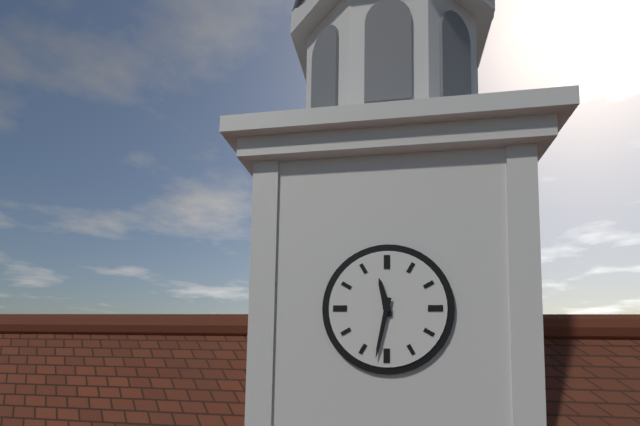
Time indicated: 11:32
